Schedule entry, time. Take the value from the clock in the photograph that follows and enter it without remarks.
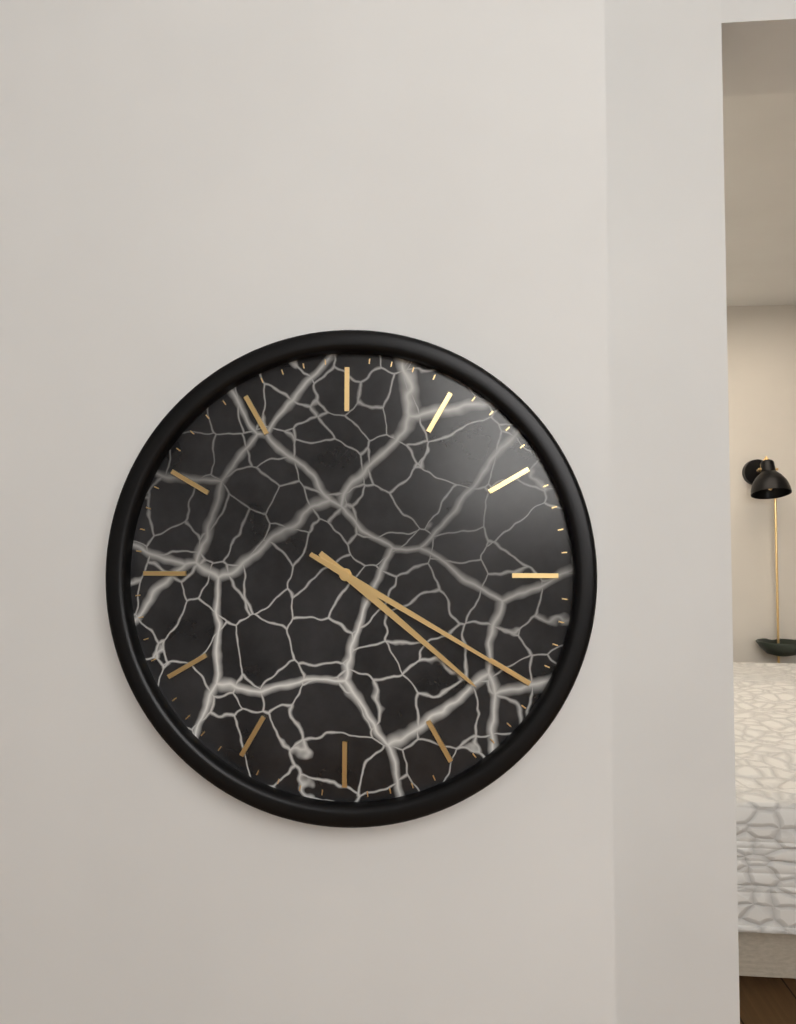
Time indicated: 4:20
